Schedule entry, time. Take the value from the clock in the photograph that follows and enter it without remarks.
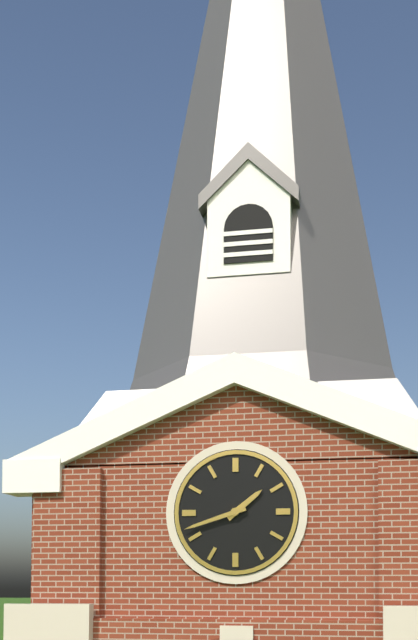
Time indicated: 1:42
